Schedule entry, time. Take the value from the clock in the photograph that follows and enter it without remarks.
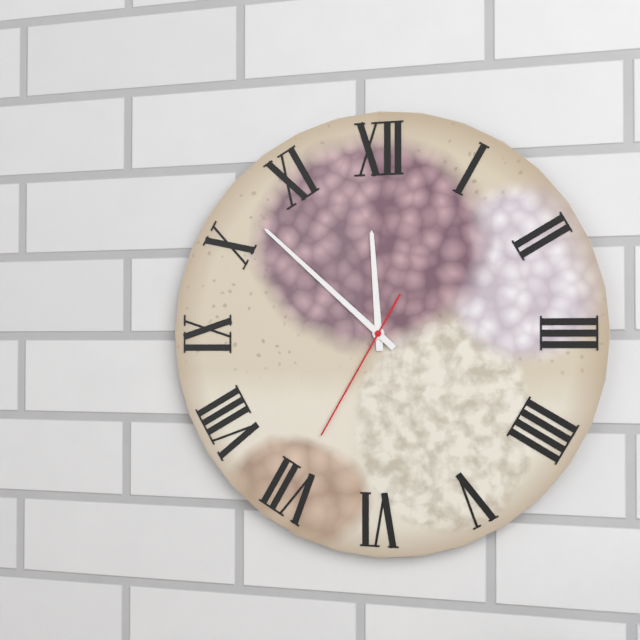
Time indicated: 11:52:35
